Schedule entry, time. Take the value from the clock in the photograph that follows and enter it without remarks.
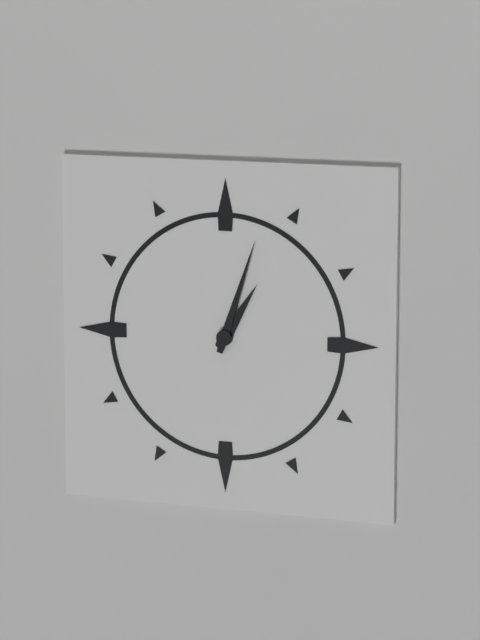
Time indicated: 1:03
